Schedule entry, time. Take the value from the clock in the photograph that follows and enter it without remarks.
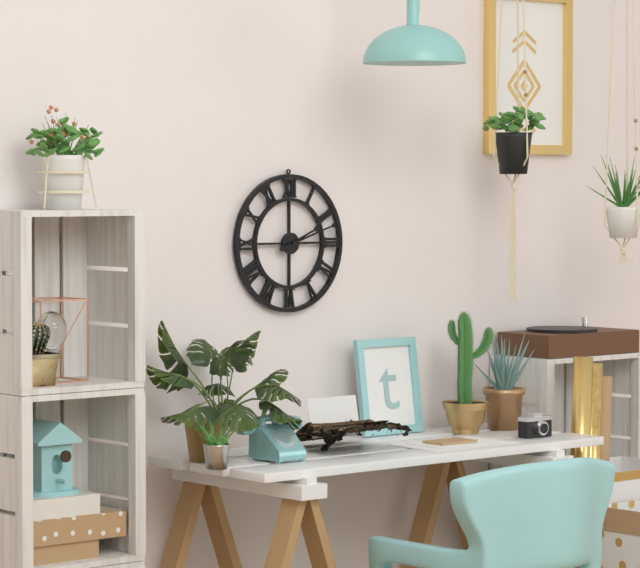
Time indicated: 2:12
